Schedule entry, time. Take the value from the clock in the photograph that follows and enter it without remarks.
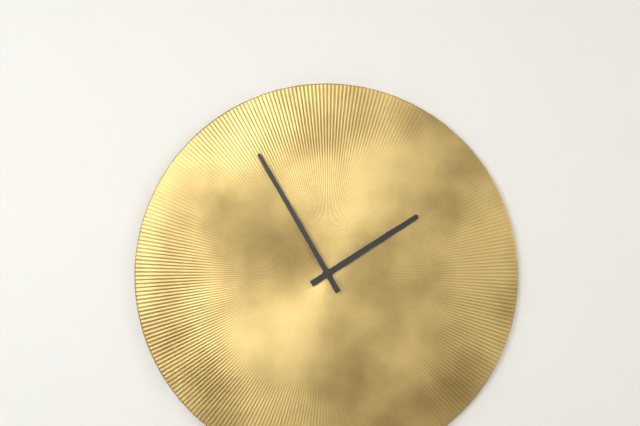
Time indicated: 1:55
